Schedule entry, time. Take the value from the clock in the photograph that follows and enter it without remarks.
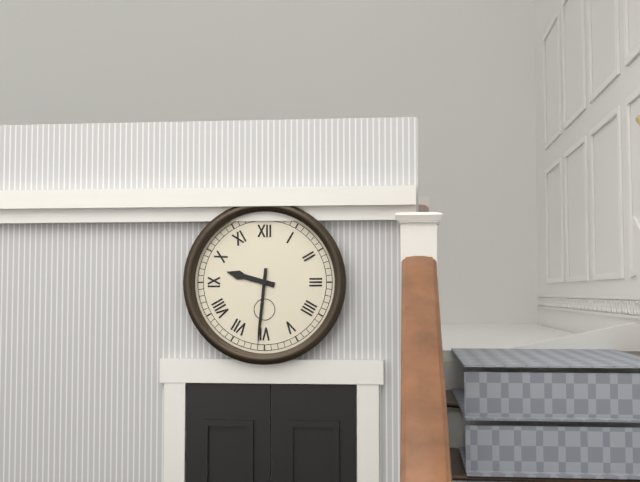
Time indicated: 9:31
